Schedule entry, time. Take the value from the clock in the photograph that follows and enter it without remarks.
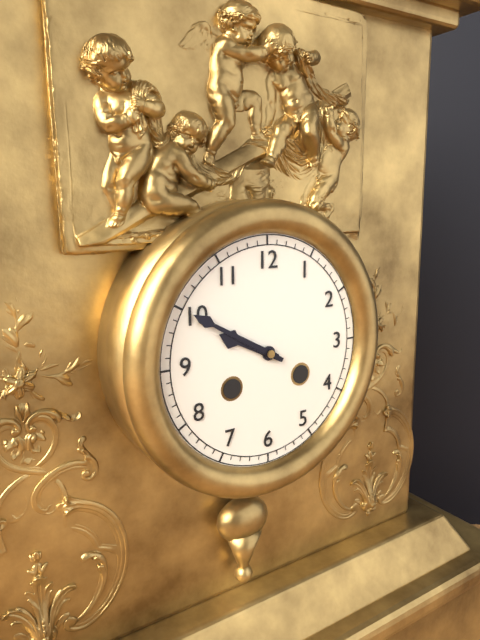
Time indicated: 9:50
